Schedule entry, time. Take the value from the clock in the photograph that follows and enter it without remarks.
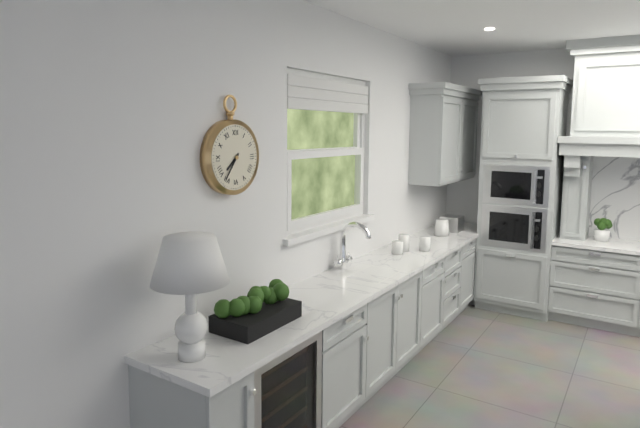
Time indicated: 7:36
